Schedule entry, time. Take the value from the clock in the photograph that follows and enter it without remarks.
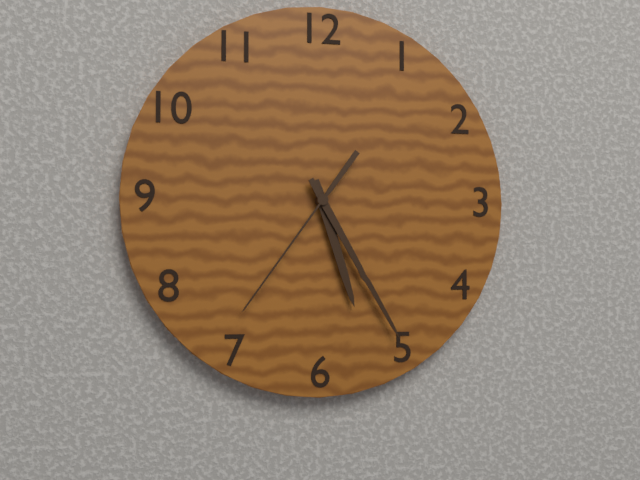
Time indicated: 5:25:36
